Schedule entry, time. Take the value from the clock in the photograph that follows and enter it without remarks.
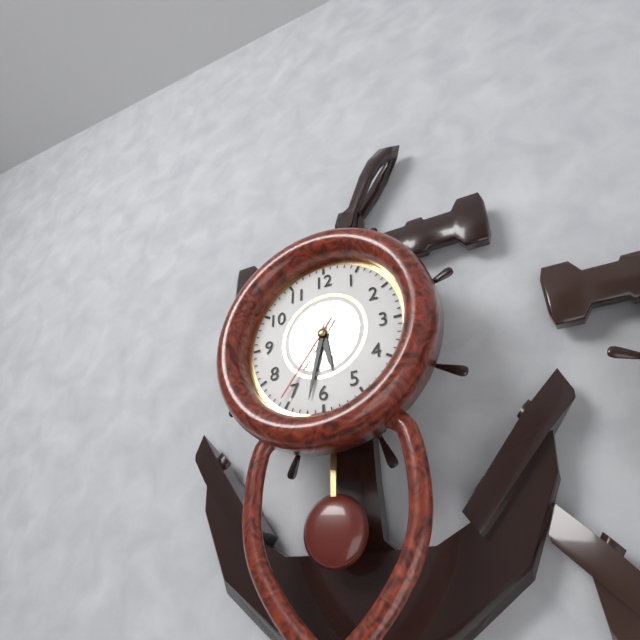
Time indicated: 5:32:36
